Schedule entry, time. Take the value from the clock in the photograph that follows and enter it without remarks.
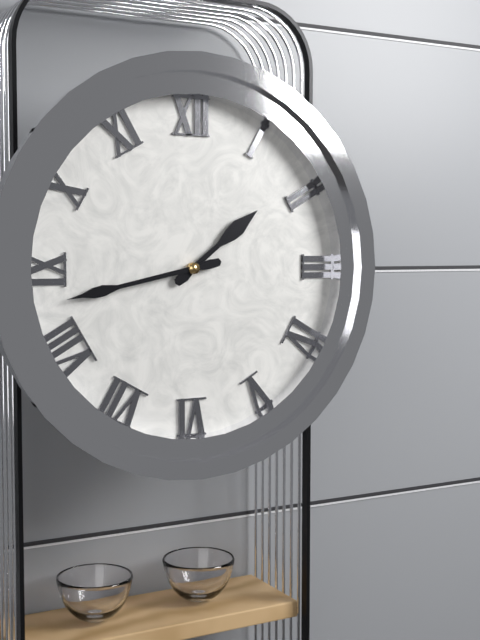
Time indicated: 1:43
